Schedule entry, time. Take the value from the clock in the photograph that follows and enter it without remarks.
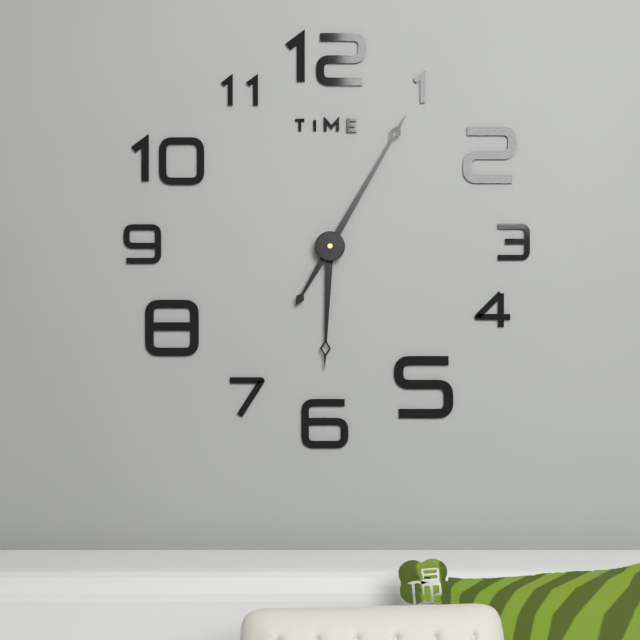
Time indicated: 6:05
